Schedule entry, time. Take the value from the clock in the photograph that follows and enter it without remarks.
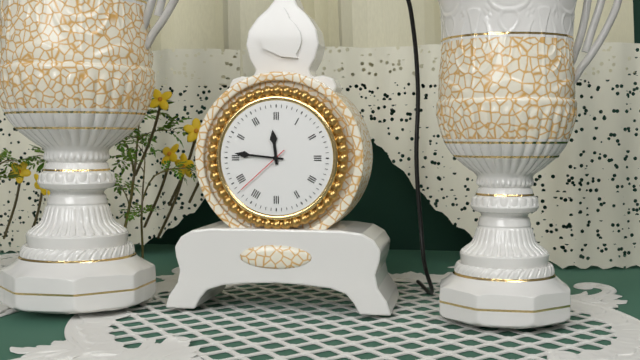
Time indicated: 11:46:38
